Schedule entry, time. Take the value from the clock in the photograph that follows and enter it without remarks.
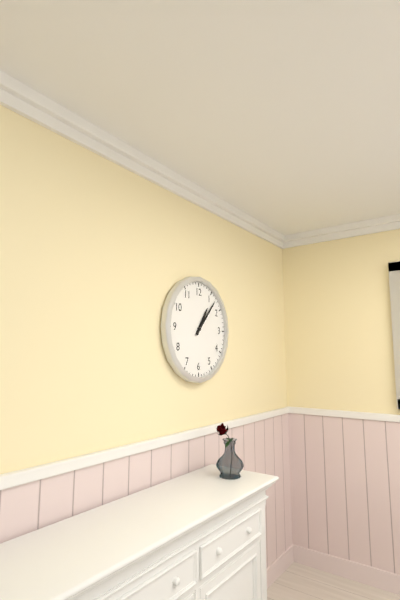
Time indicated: 1:07
